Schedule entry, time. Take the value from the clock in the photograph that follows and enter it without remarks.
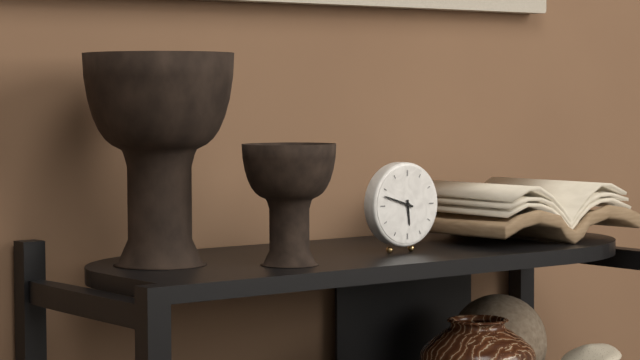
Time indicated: 5:48
